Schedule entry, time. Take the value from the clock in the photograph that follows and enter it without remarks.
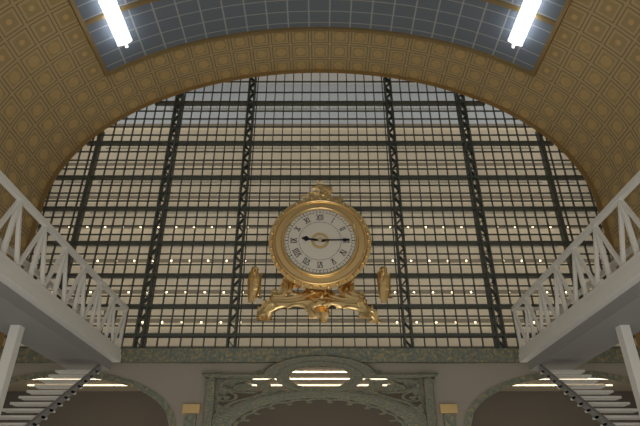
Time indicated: 9:15
